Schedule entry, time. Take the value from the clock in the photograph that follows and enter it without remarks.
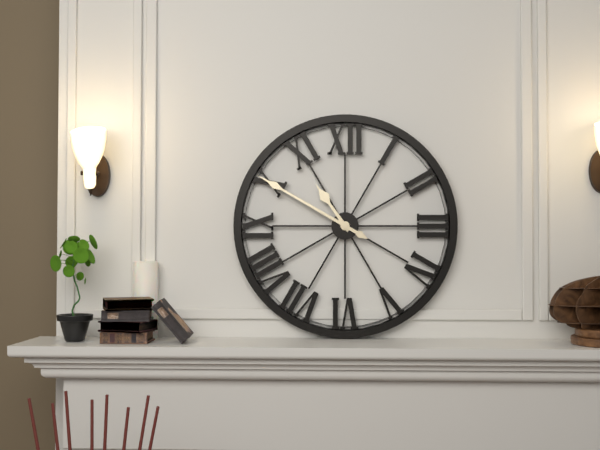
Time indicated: 10:50
